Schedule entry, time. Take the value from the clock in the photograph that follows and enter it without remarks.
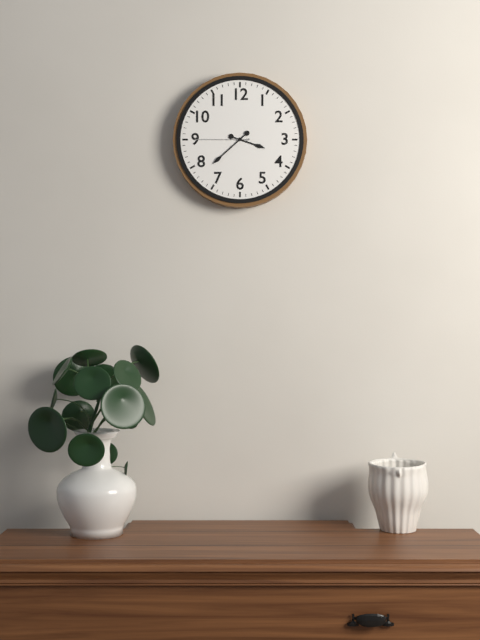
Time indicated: 3:38:45
